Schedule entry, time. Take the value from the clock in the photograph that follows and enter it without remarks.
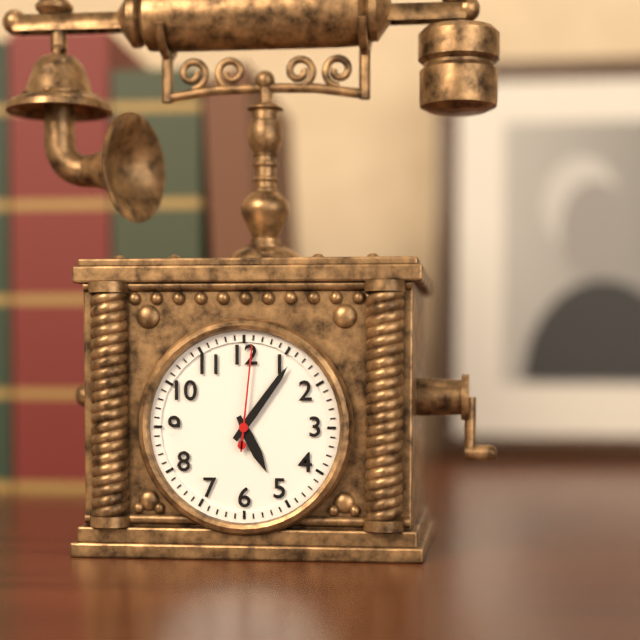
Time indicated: 5:06:01
